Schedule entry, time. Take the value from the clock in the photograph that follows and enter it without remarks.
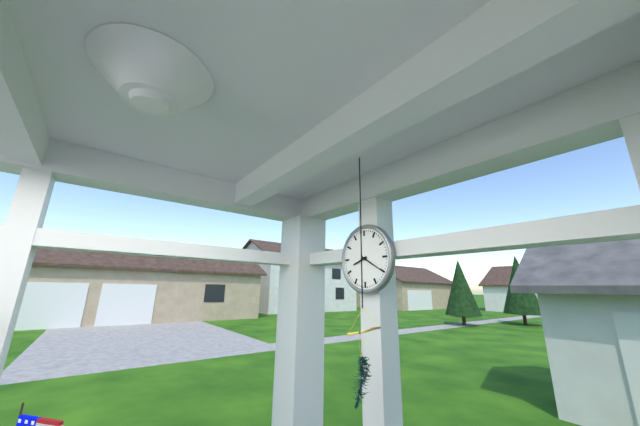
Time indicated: 8:20
